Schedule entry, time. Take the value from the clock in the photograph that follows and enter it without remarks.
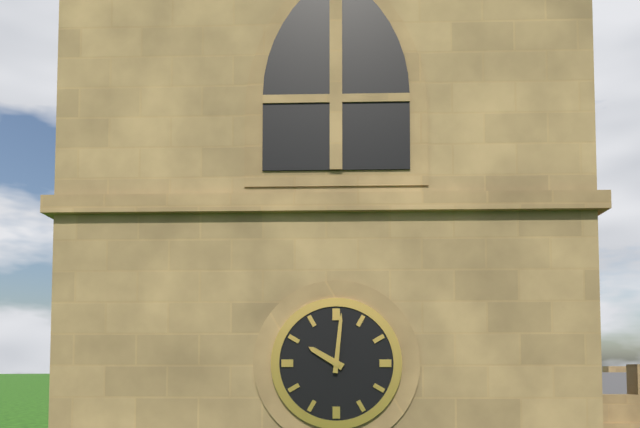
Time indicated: 10:01
